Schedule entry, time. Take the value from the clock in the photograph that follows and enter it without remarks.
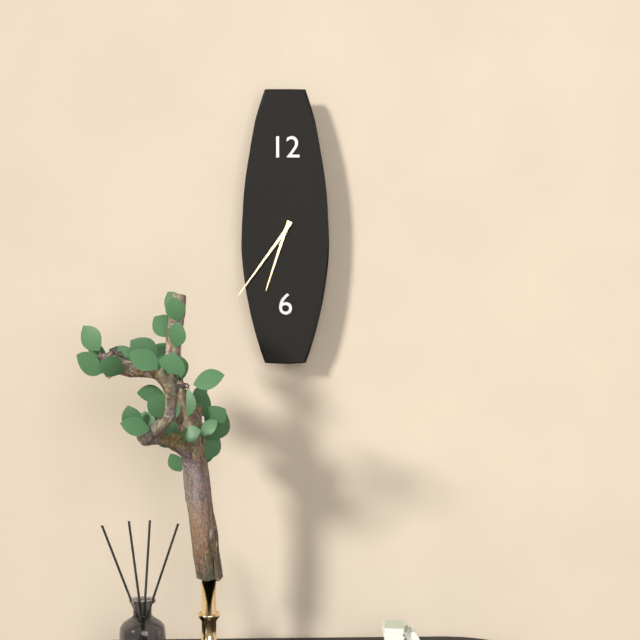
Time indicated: 6:36
